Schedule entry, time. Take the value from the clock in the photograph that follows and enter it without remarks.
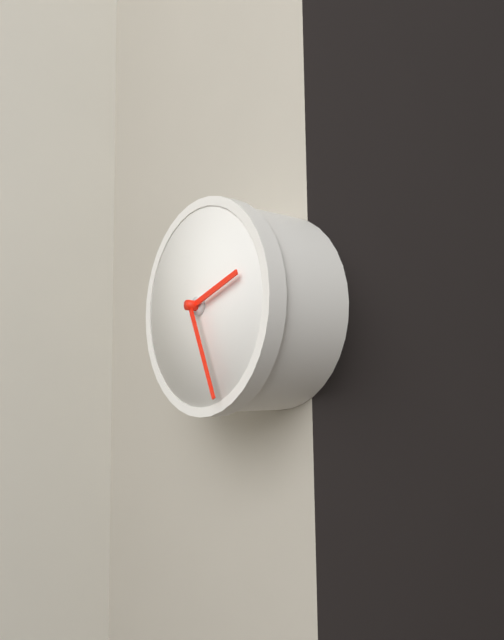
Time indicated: 2:26
